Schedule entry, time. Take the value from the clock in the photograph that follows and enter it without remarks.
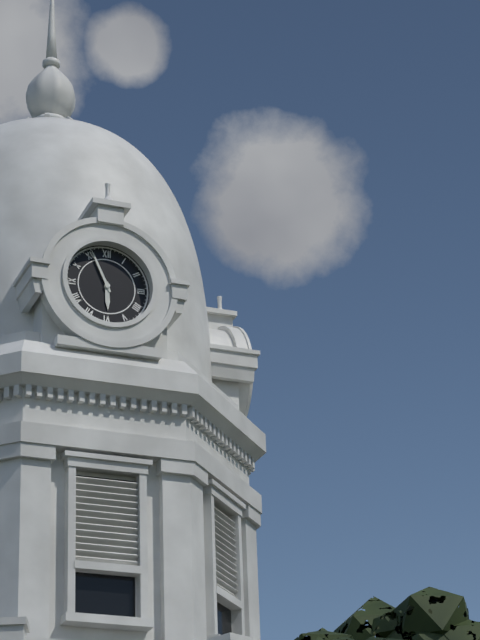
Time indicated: 5:56
